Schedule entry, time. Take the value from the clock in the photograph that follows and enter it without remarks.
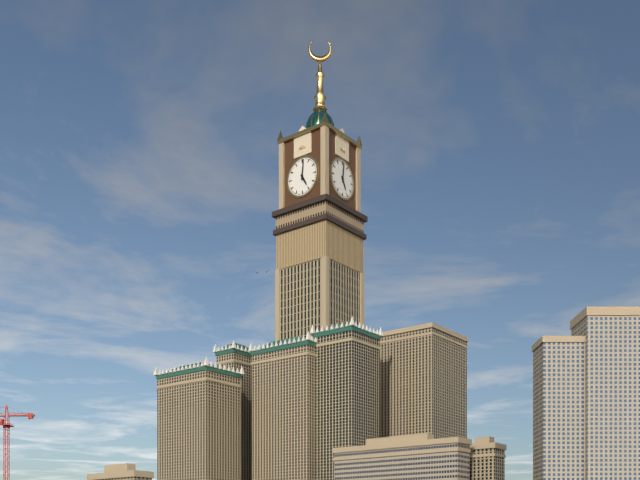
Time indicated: 5:01
